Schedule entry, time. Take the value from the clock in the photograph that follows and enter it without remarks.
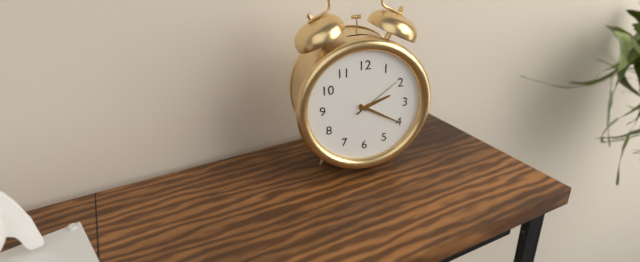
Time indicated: 2:20:09
